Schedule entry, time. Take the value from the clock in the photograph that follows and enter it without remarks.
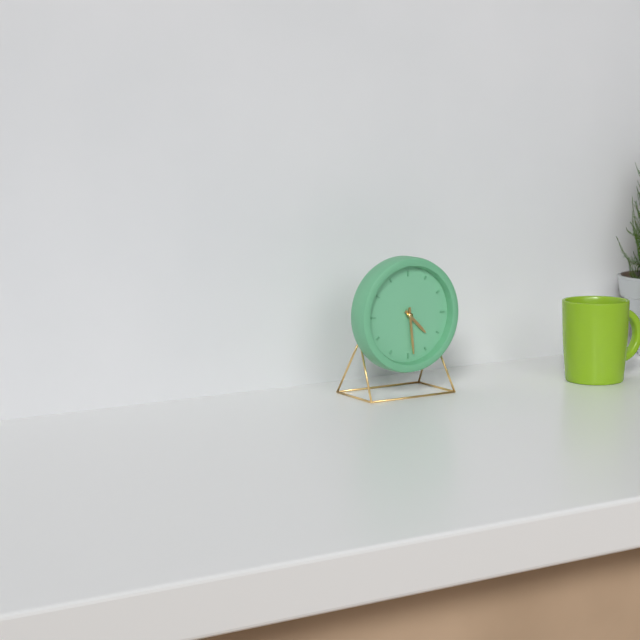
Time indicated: 4:29
